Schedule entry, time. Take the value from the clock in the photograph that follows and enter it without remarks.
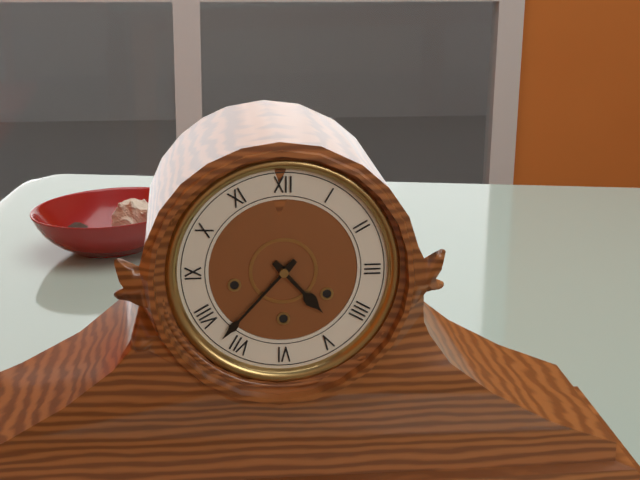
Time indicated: 4:37
